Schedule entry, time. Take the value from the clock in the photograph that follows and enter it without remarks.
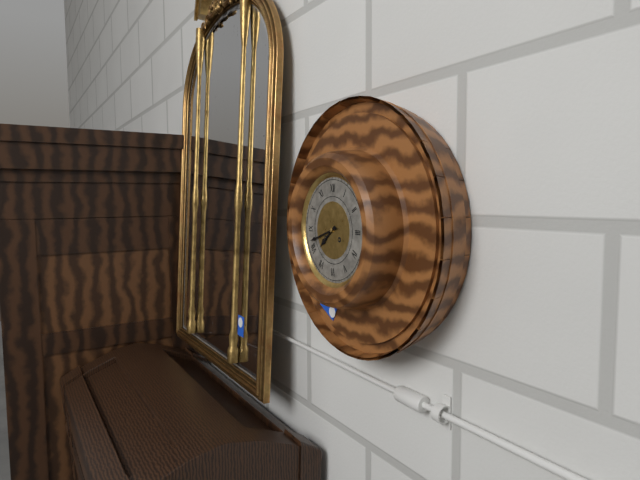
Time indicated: 7:42
